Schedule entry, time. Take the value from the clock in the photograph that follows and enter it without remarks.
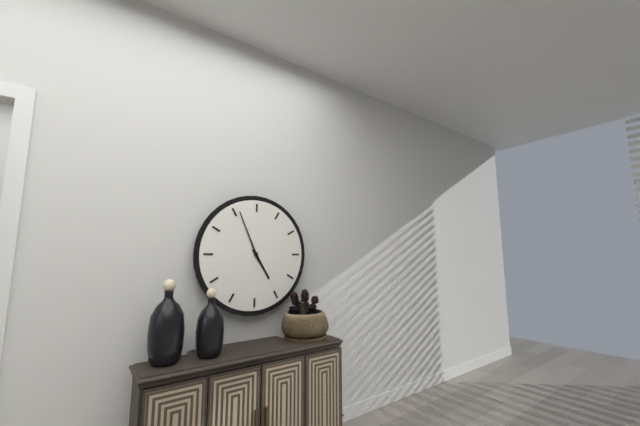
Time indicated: 4:56
